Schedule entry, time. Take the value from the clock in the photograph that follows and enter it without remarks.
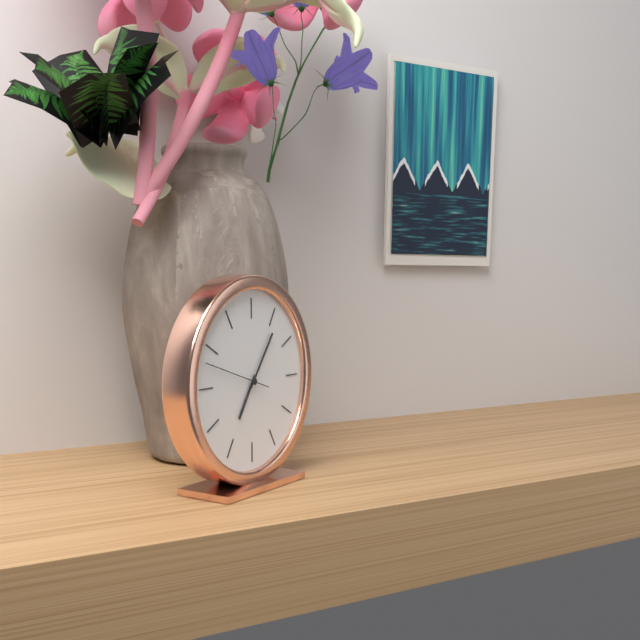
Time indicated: 7:06:48
